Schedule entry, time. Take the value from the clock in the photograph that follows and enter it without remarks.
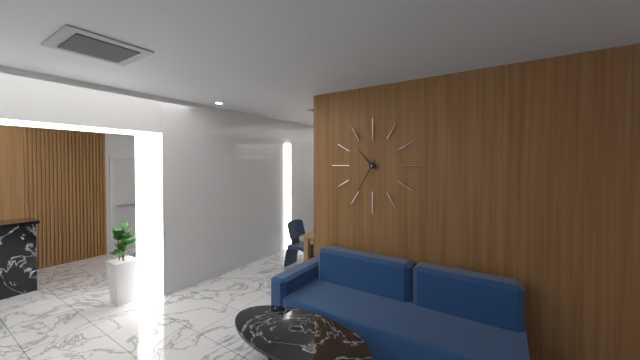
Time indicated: 10:35
